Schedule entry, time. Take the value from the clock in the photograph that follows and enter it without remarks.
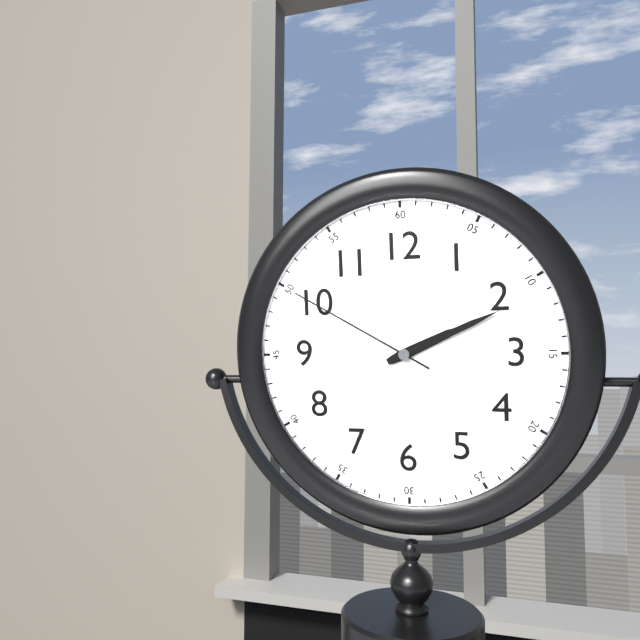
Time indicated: 2:11:50
